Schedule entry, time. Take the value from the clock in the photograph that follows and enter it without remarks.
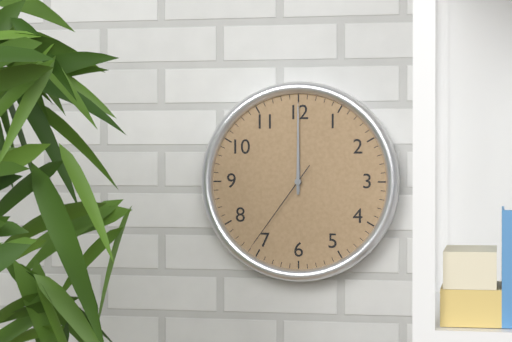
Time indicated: 12:00:36
